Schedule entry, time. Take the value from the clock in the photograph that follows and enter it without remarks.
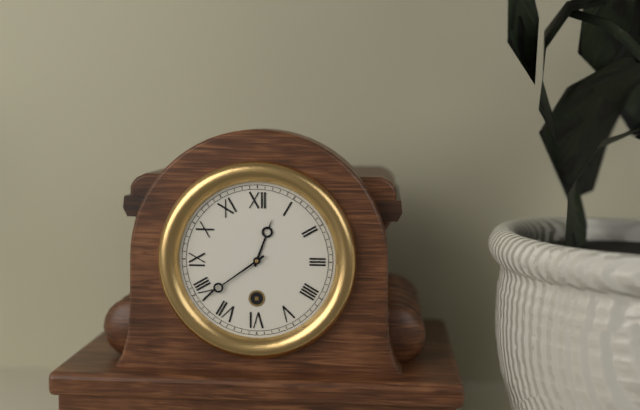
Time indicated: 12:39
